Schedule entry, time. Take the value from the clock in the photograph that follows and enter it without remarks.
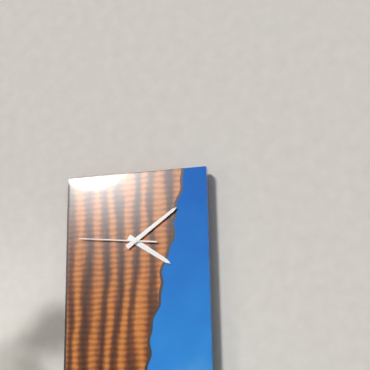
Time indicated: 4:09:46
